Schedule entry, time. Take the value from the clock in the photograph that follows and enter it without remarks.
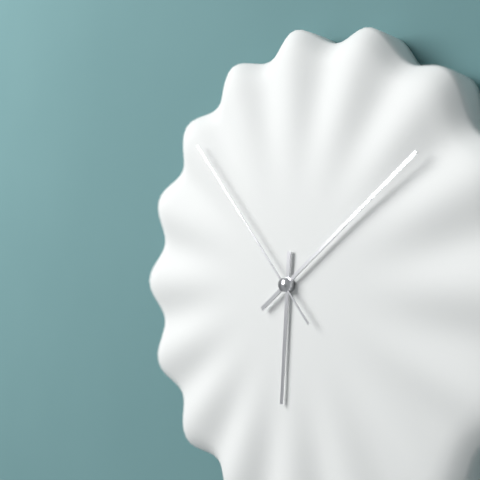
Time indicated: 6:09:53
